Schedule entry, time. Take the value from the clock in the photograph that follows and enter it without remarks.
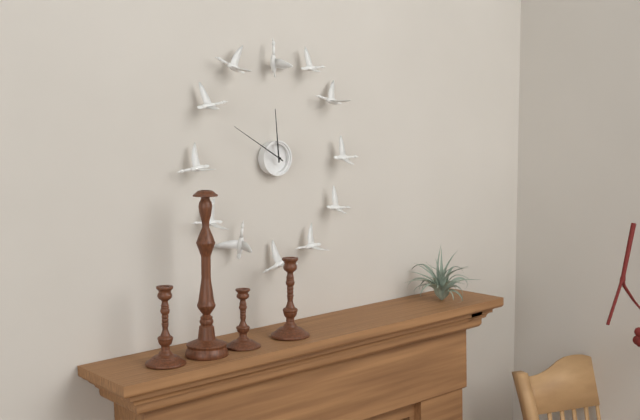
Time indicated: 11:50
